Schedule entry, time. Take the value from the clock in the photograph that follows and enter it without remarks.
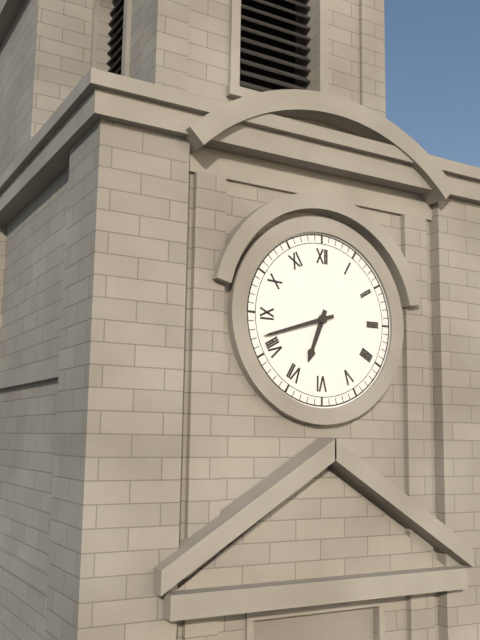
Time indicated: 6:42
